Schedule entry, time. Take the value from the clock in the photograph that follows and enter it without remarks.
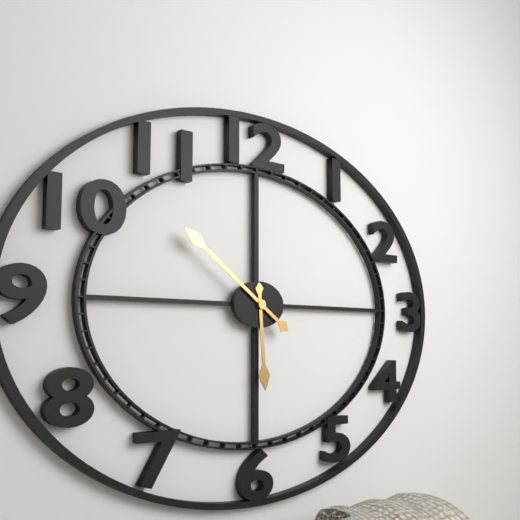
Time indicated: 5:51
